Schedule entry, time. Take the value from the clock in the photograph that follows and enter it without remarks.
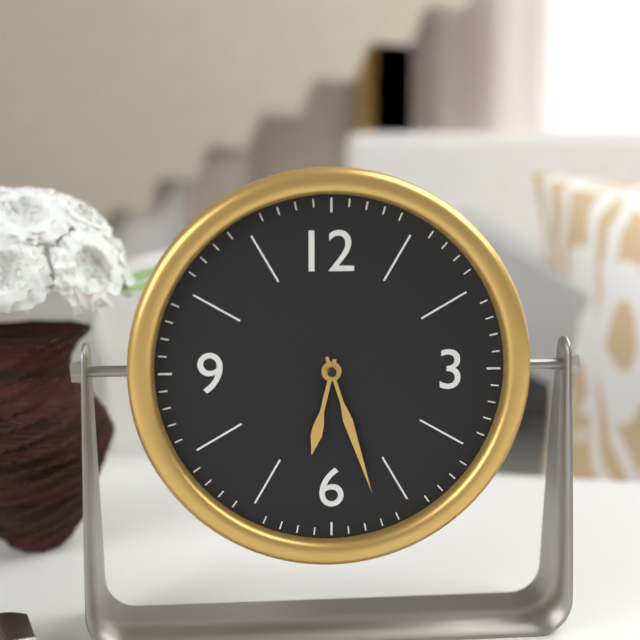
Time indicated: 6:27
